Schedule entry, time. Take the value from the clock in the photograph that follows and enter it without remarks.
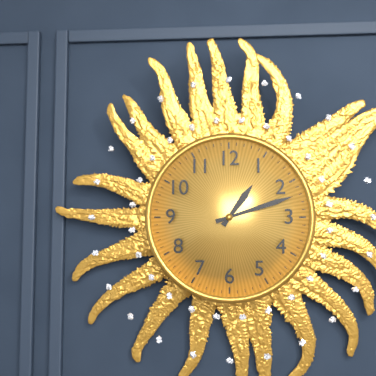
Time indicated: 1:12
